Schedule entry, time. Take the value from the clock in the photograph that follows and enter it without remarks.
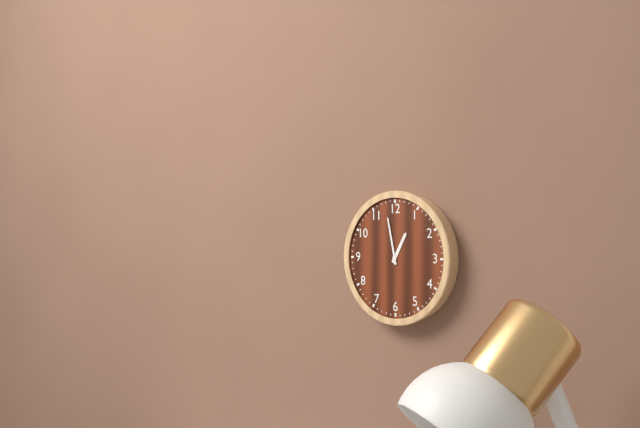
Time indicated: 12:58
